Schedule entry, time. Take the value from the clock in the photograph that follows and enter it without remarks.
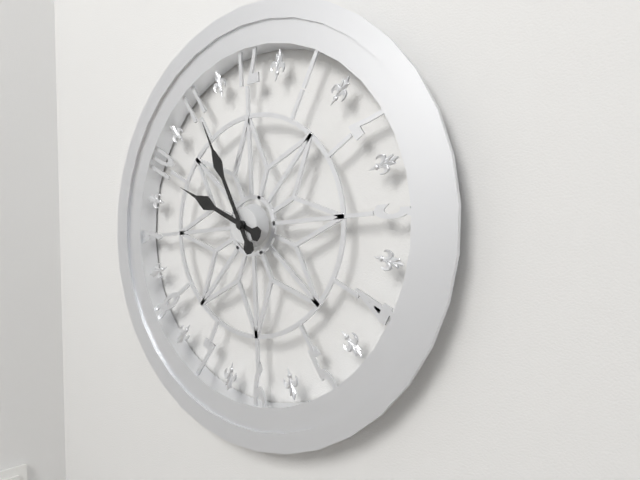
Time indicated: 9:56
